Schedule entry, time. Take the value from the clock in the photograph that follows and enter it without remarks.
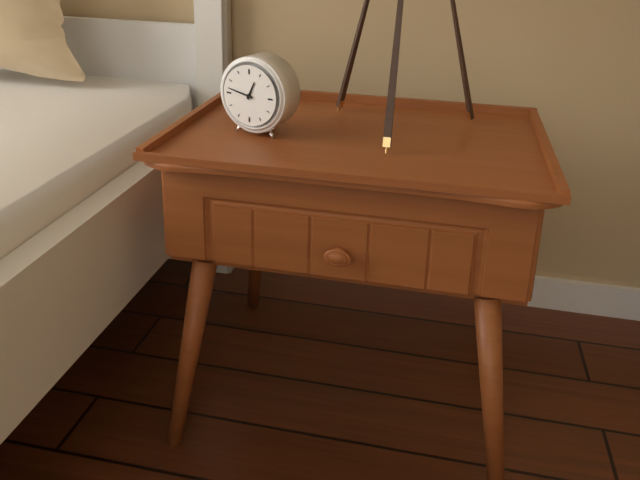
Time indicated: 12:47
